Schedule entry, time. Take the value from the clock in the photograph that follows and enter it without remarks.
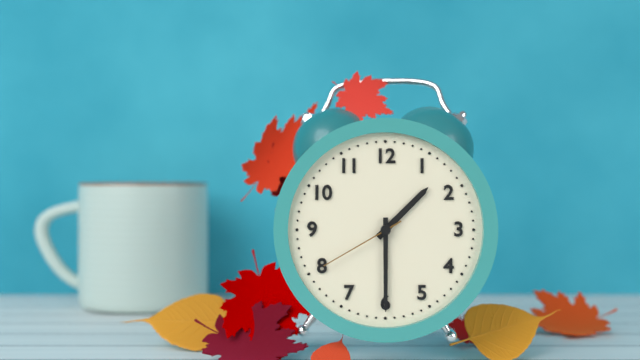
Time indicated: 1:30:40
